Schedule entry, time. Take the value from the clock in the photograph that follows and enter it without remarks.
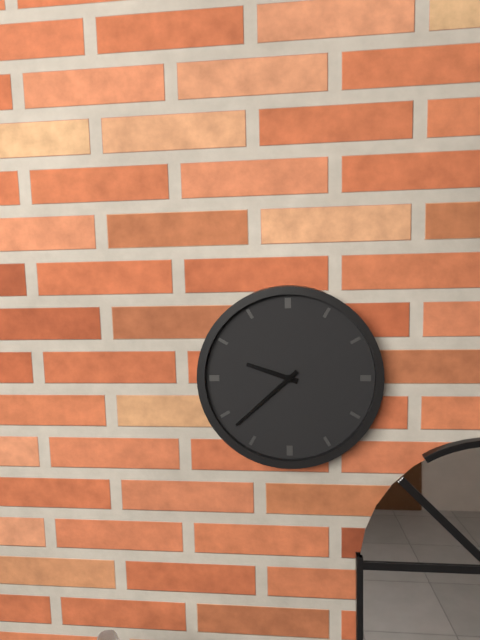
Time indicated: 9:38
